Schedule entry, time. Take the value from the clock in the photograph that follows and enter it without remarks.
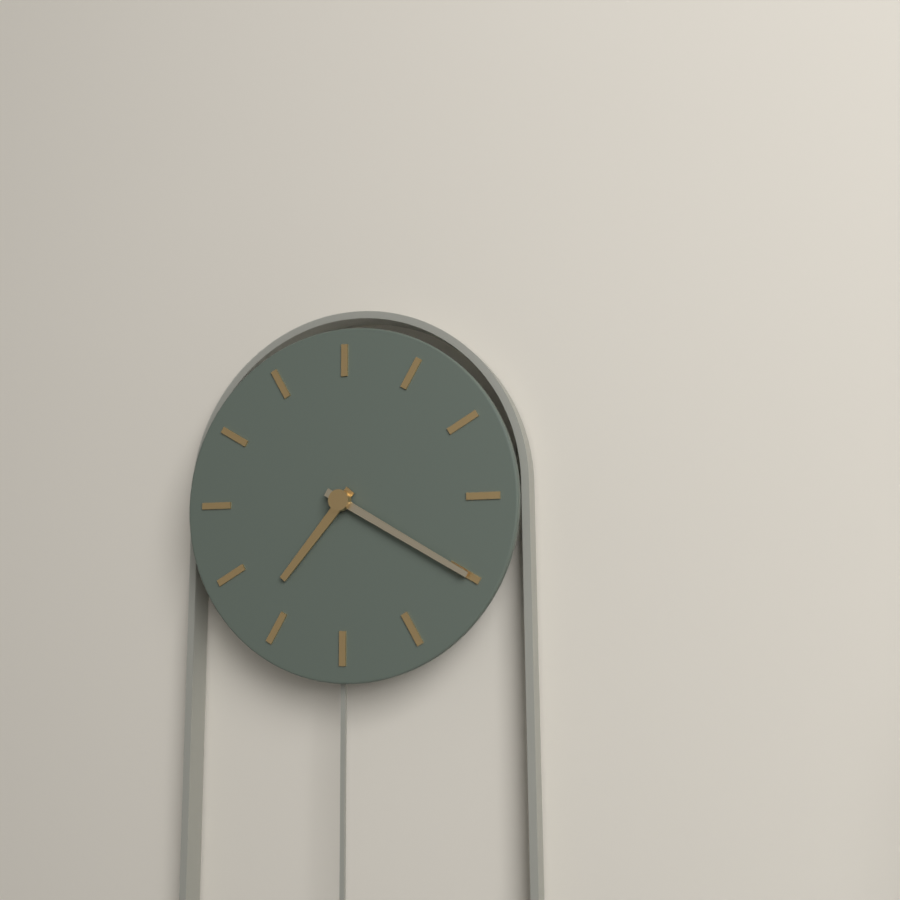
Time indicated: 7:20
